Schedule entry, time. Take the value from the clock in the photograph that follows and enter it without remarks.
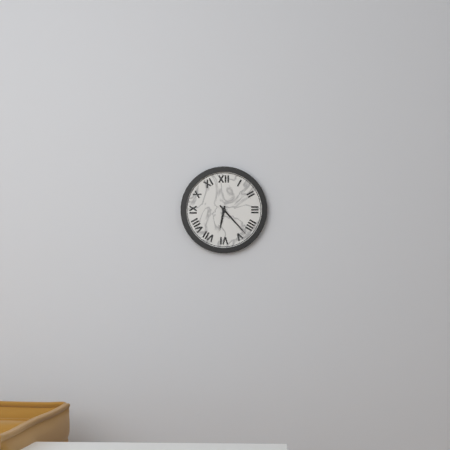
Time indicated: 6:23
